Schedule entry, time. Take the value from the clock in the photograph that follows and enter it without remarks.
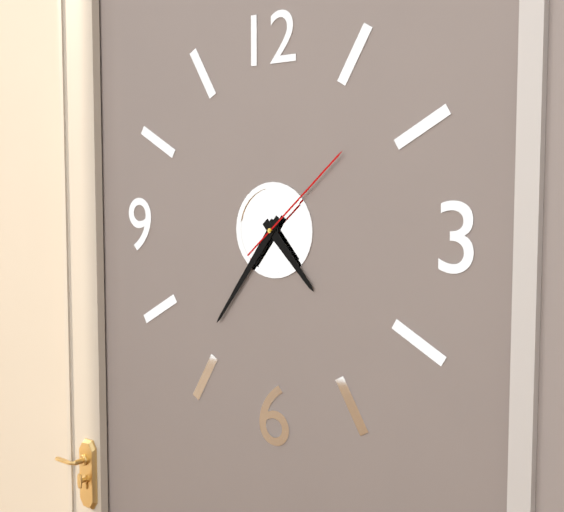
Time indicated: 4:36:08
